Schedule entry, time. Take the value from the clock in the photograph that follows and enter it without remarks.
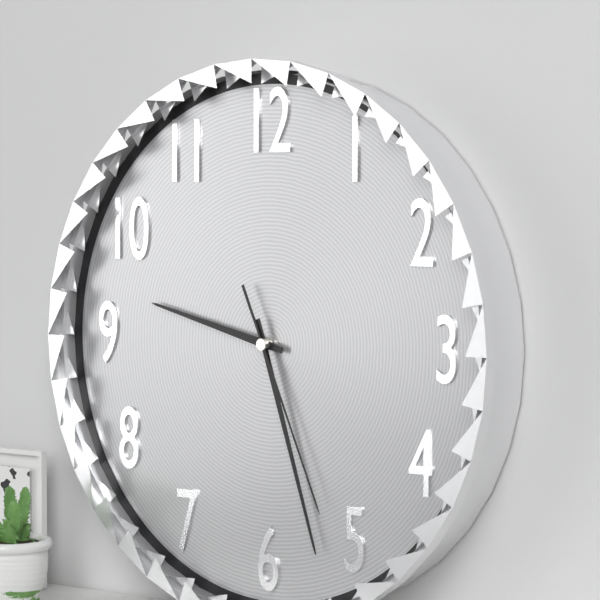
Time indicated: 9:27:26
